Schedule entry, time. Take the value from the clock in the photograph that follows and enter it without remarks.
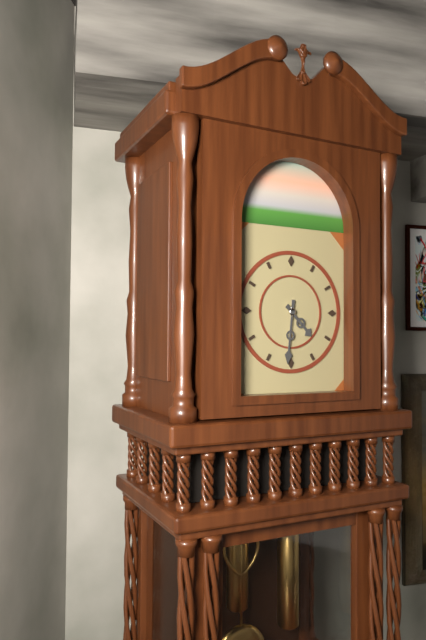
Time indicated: 4:31
